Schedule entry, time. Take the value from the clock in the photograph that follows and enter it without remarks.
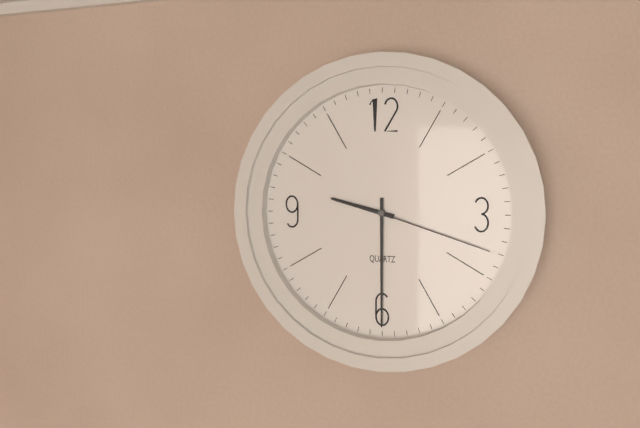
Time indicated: 9:30:18
